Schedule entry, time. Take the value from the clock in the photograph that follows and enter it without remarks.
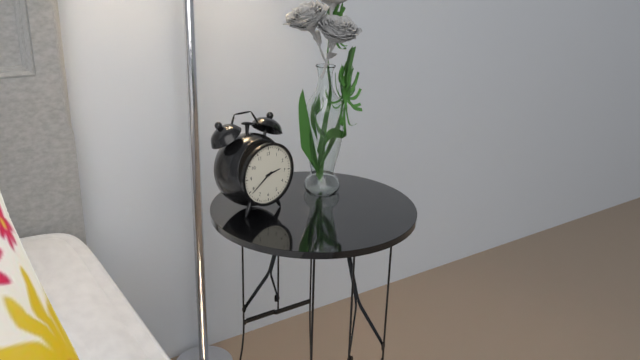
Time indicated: 2:39
